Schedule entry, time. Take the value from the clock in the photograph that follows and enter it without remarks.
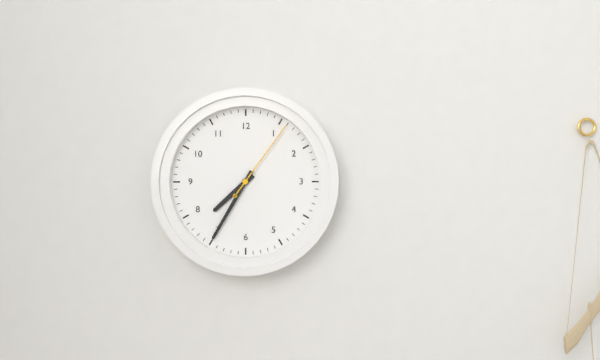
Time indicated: 7:35:06
